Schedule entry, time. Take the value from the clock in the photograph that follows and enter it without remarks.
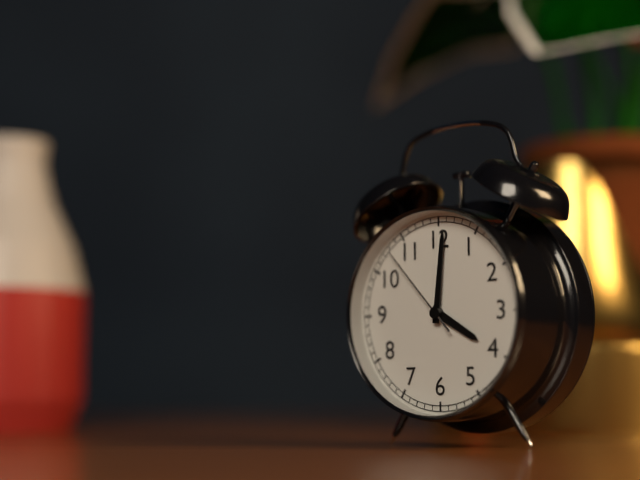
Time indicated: 4:01:53
